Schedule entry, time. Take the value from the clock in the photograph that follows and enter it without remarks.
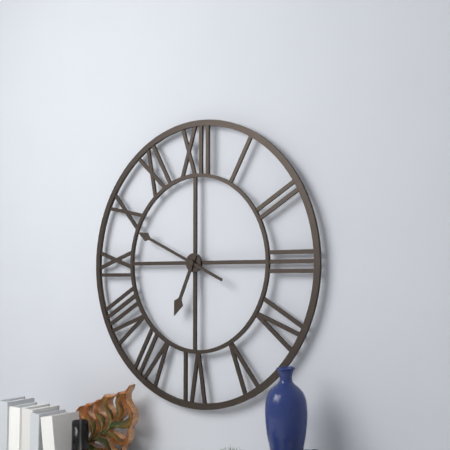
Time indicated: 6:49
